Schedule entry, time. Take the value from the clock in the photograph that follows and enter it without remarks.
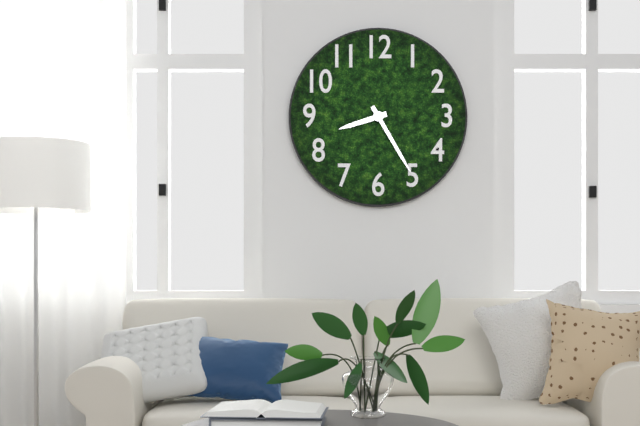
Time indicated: 8:25
